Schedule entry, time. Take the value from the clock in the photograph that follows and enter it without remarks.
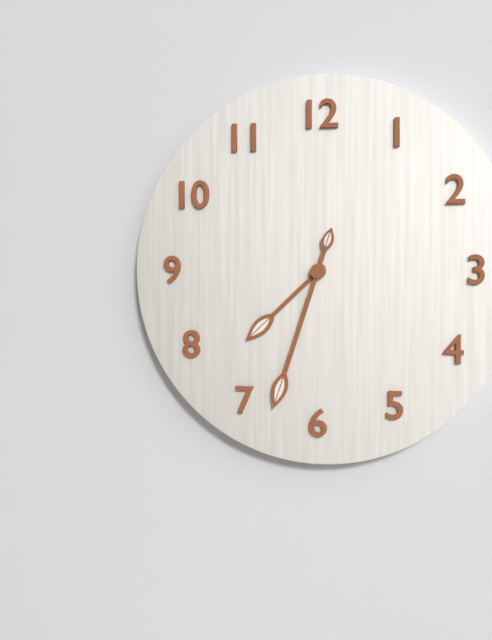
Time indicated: 7:33
